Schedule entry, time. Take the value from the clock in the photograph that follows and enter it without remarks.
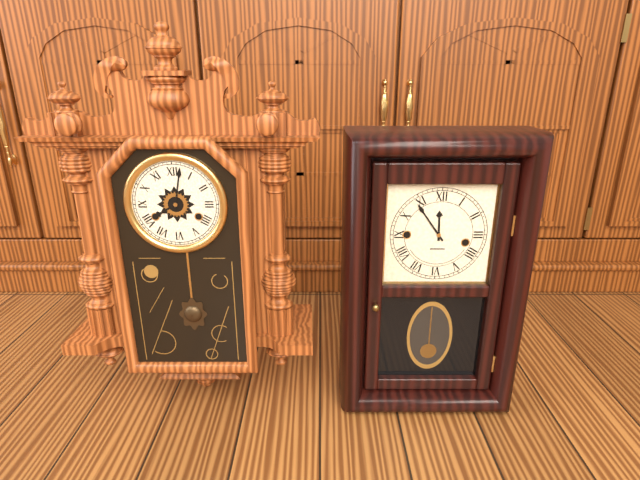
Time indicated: 8:02
